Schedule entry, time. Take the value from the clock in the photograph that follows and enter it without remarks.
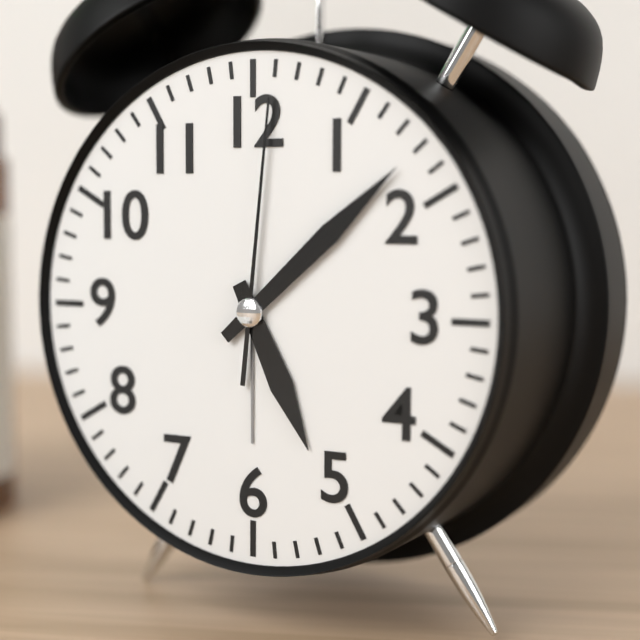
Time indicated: 5:08:01
